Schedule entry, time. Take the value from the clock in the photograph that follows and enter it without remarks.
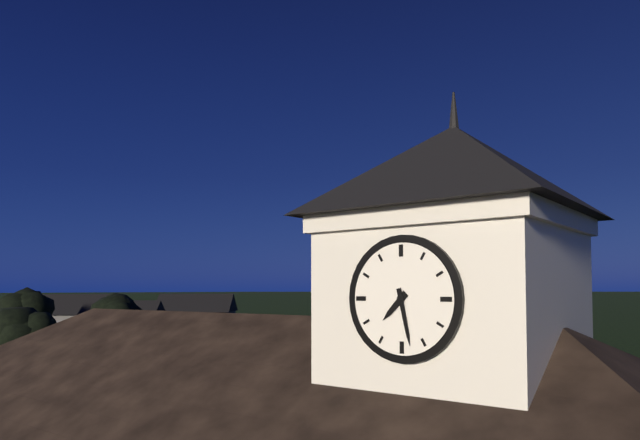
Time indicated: 7:28
